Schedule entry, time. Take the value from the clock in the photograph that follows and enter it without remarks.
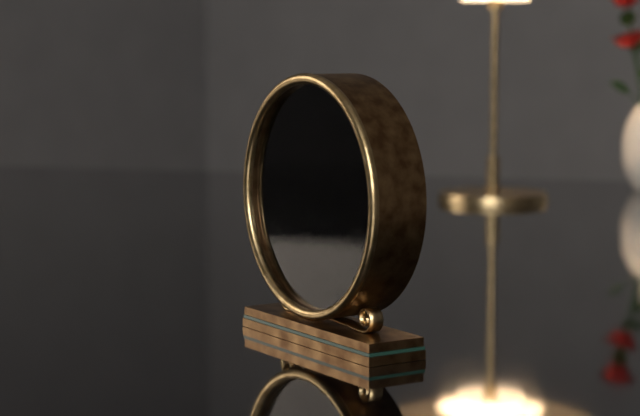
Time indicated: 6:17
